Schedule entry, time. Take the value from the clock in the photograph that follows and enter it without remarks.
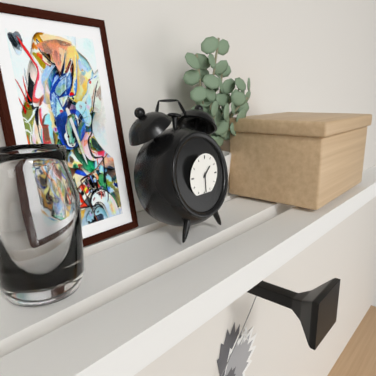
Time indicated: 1:29
